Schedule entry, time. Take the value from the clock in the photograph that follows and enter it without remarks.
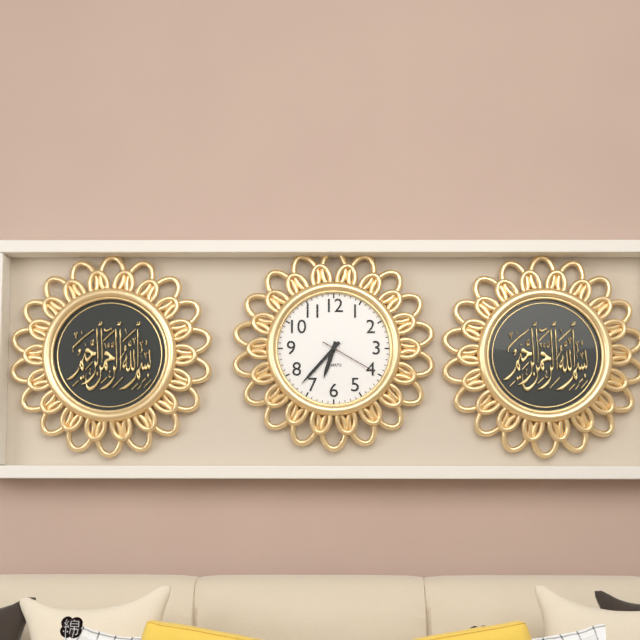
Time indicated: 6:37:20
